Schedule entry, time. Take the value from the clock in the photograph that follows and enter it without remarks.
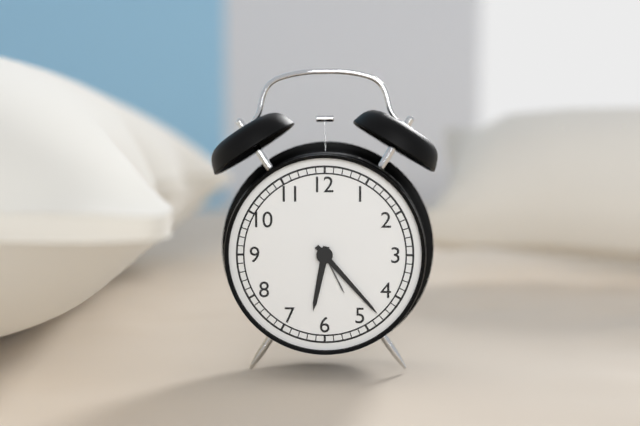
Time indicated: 6:23
